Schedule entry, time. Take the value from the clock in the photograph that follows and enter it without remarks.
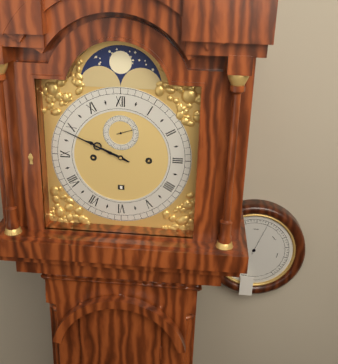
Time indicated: 9:49
